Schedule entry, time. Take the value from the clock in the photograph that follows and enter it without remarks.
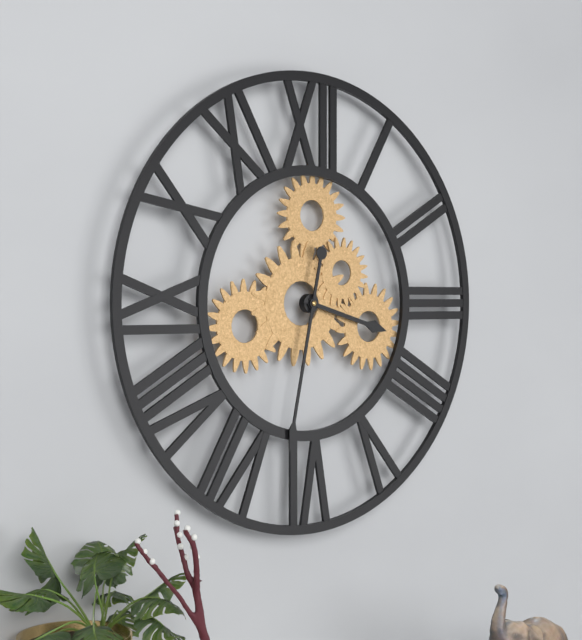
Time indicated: 3:32
